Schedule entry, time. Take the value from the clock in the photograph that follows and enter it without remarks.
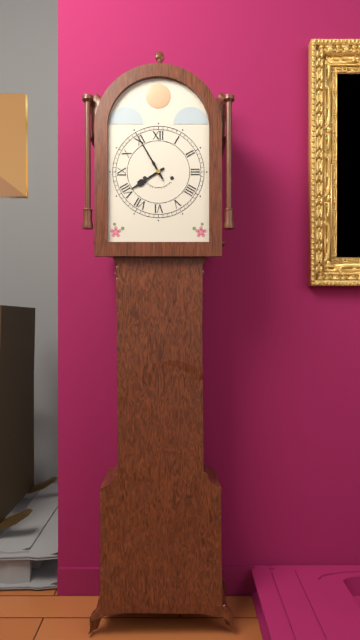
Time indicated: 7:55
